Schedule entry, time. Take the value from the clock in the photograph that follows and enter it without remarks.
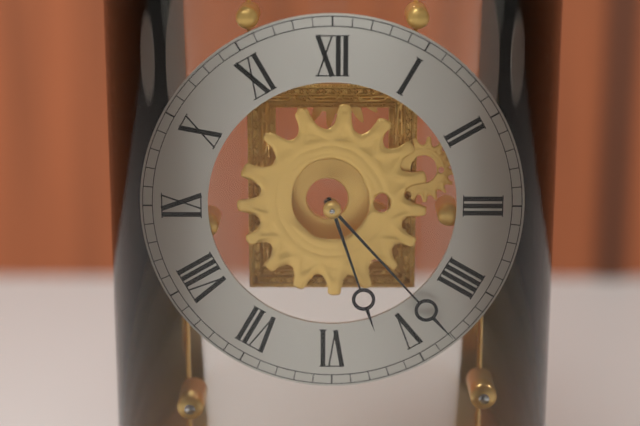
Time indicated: 5:23
